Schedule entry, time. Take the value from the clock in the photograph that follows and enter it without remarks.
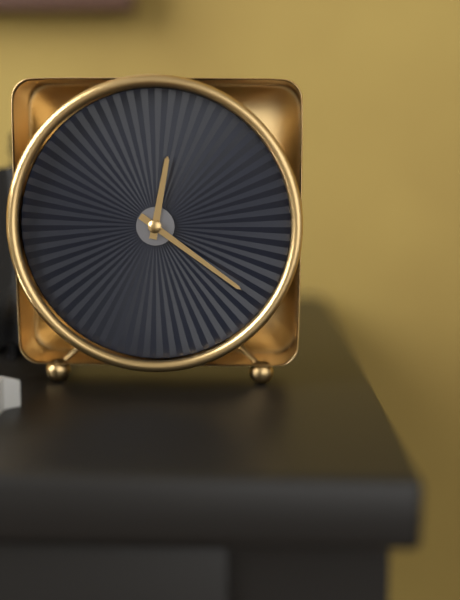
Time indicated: 12:21
